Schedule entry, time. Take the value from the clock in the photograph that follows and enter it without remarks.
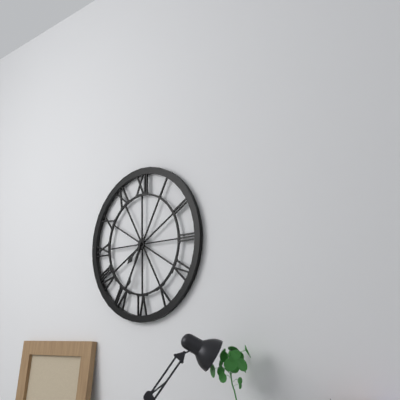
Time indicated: 7:34
